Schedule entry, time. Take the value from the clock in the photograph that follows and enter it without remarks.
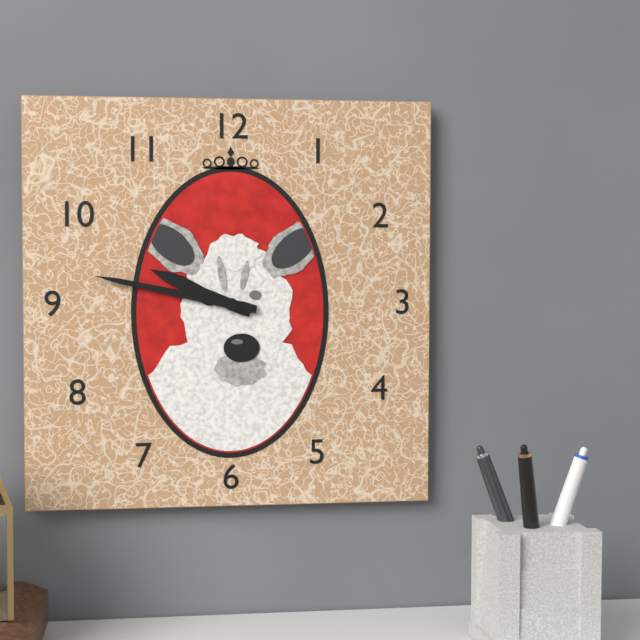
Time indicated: 9:47
